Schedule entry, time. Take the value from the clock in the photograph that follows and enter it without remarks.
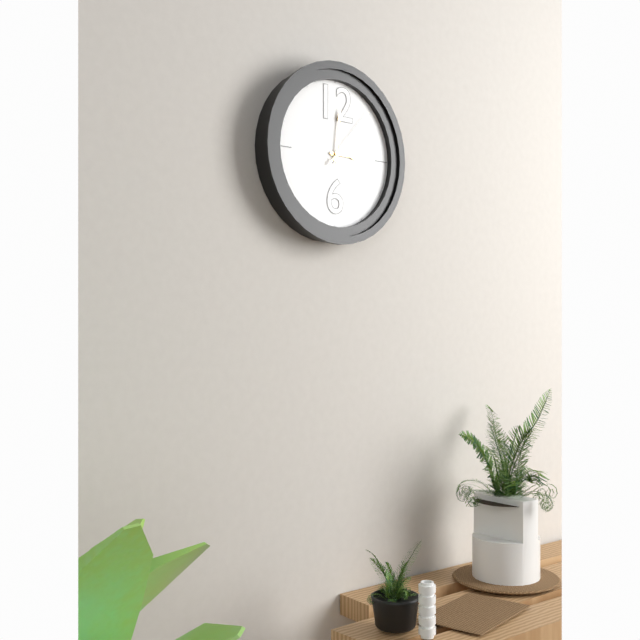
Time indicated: 3:01:07
